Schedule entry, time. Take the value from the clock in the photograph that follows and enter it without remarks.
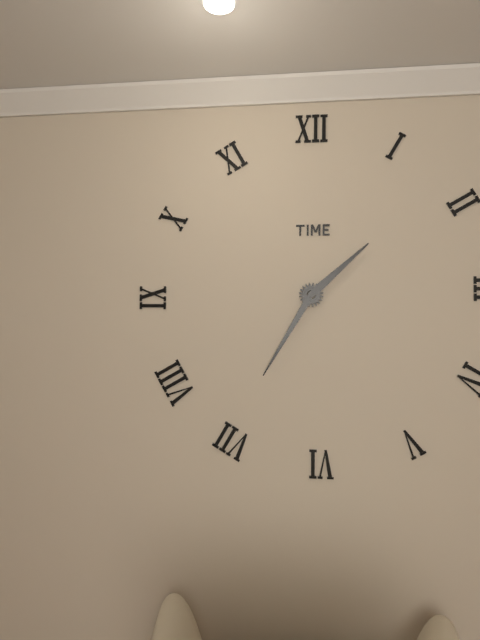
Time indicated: 1:35
